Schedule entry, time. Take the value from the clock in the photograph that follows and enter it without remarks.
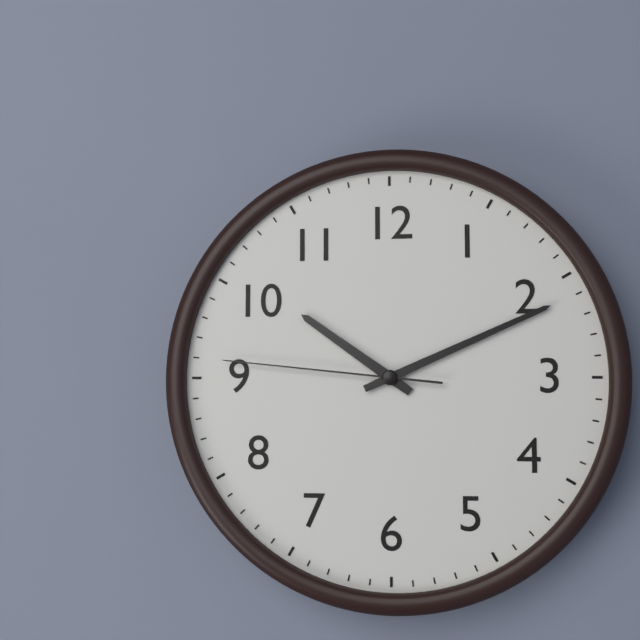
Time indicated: 10:11:46
